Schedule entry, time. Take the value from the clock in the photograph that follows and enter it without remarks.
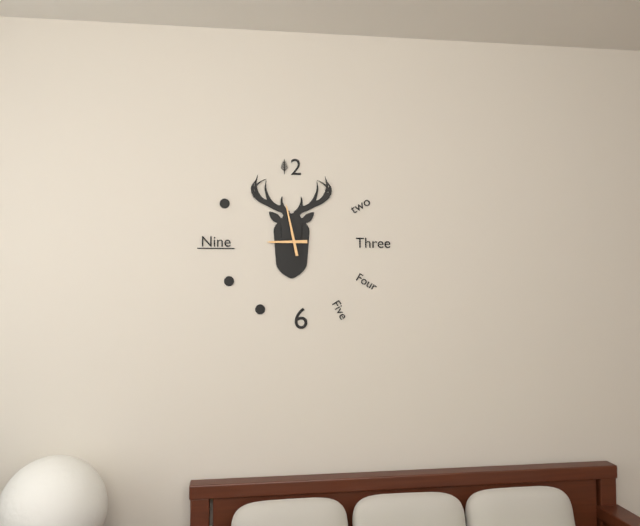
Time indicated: 8:58
